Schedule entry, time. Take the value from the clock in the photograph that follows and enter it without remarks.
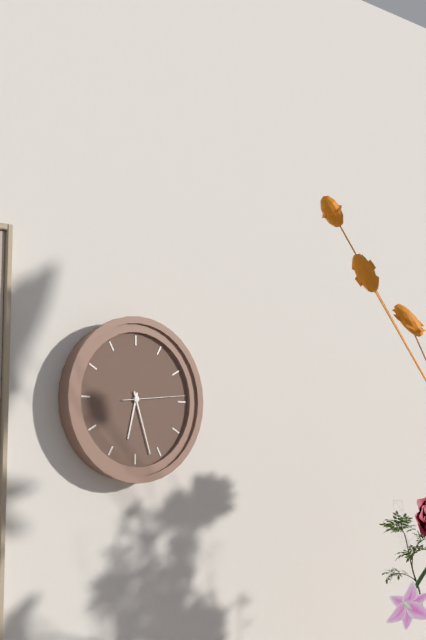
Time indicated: 6:27:14
